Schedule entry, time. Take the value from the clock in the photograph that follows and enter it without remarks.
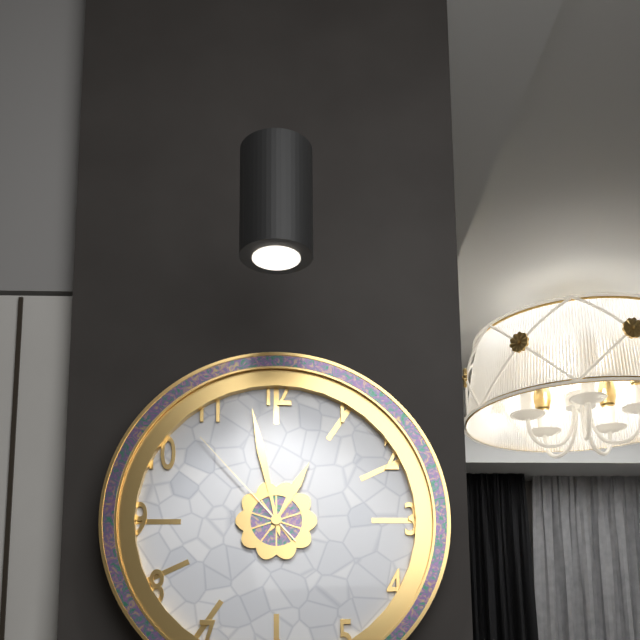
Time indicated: 12:58:53
